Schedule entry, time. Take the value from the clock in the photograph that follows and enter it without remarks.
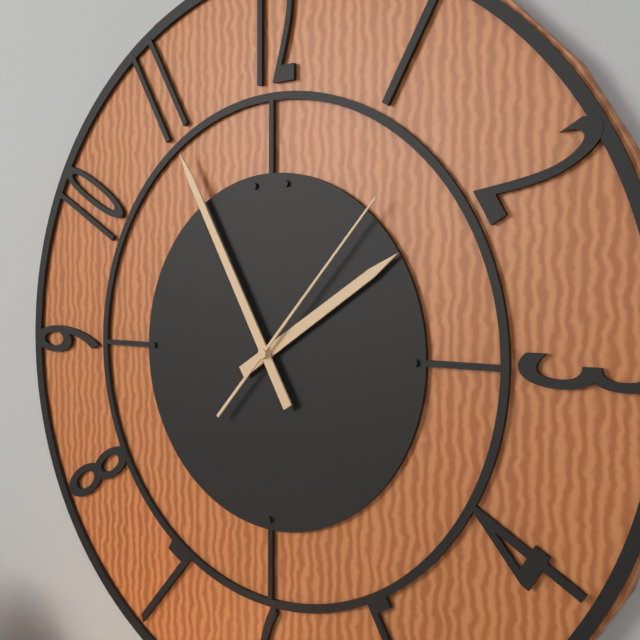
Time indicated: 1:55:07
